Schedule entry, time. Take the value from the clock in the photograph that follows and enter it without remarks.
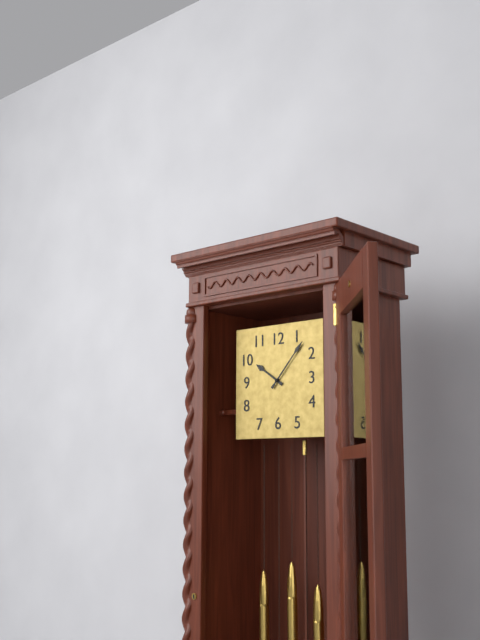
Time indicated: 10:07
